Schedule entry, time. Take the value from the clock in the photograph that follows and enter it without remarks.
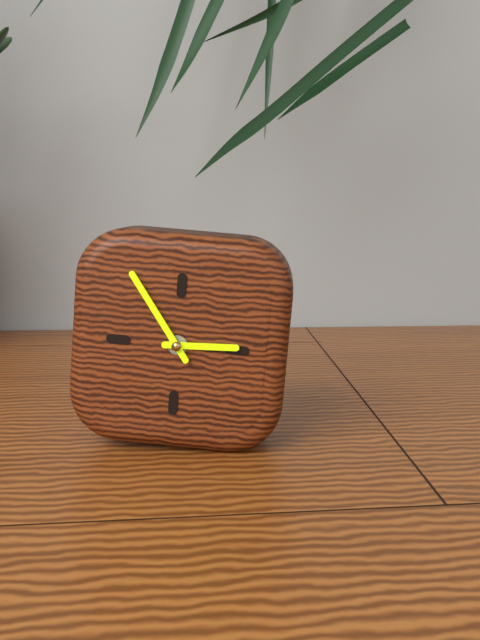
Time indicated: 2:54
